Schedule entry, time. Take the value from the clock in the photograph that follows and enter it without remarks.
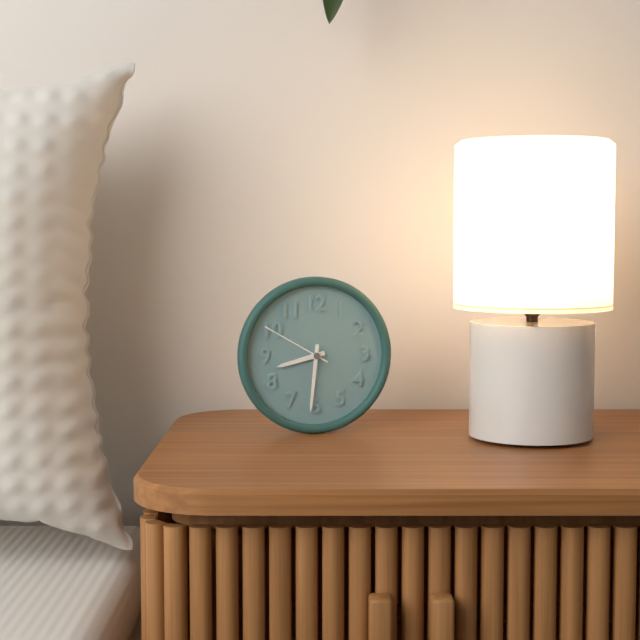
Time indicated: 8:31:50
